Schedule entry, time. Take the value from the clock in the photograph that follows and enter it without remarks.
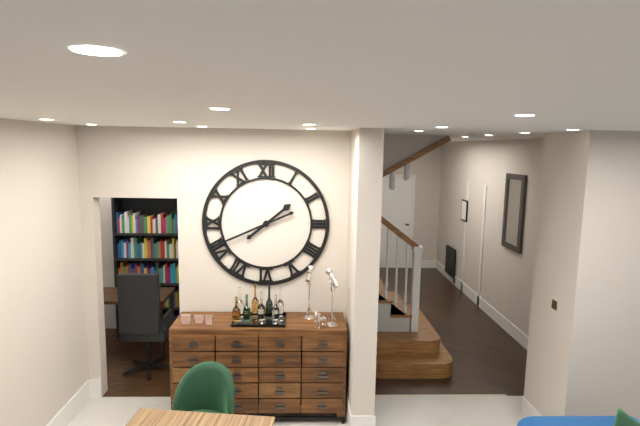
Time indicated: 1:41
